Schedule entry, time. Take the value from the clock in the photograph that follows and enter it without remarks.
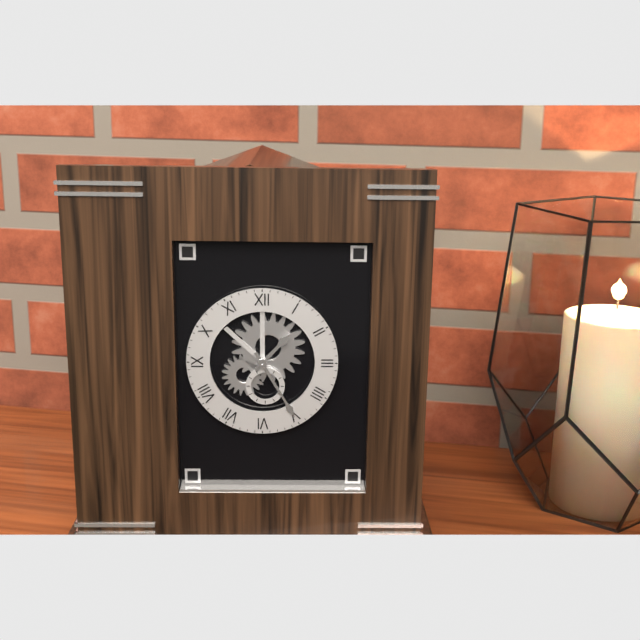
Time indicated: 1:25
